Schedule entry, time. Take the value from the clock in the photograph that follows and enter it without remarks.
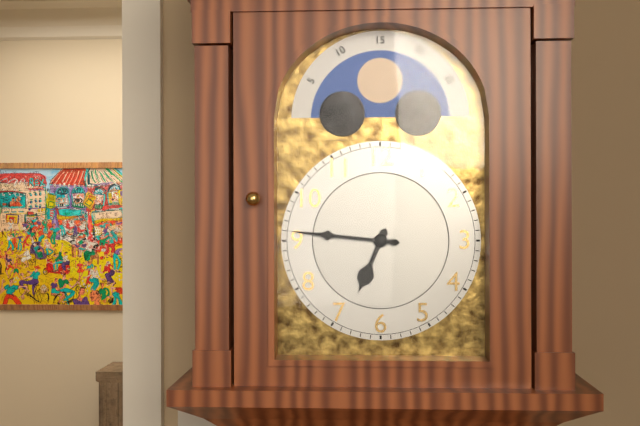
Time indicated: 6:46
